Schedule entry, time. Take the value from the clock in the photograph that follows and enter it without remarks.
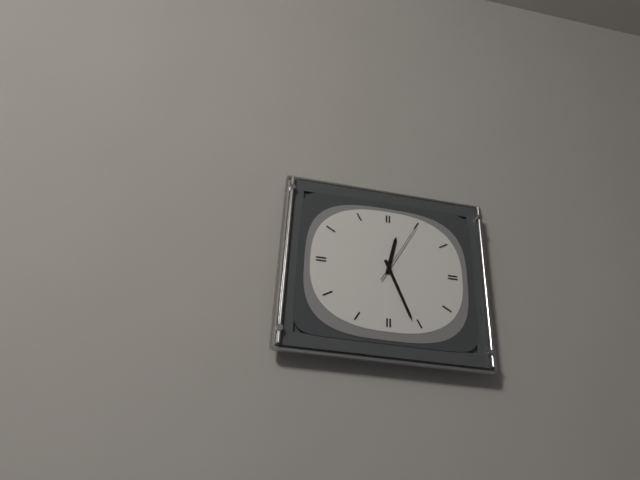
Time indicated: 12:26:05
